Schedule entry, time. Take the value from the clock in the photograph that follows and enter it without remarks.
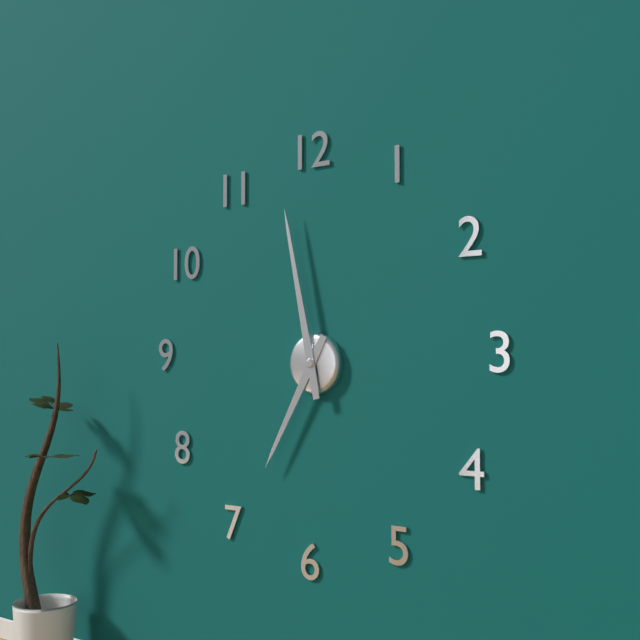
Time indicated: 6:58
